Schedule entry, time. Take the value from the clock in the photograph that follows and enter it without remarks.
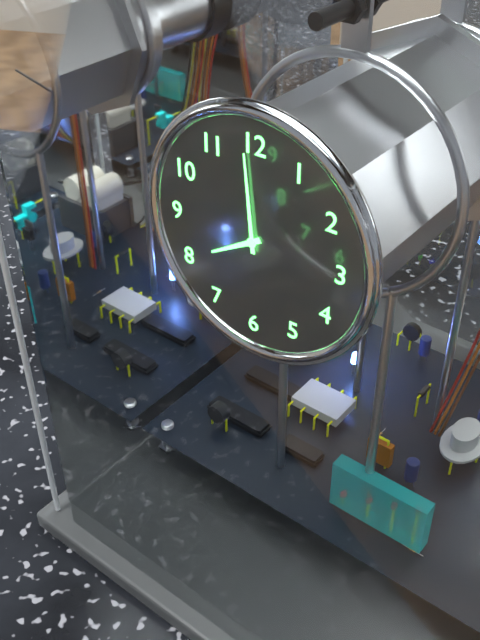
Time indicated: 7:59
